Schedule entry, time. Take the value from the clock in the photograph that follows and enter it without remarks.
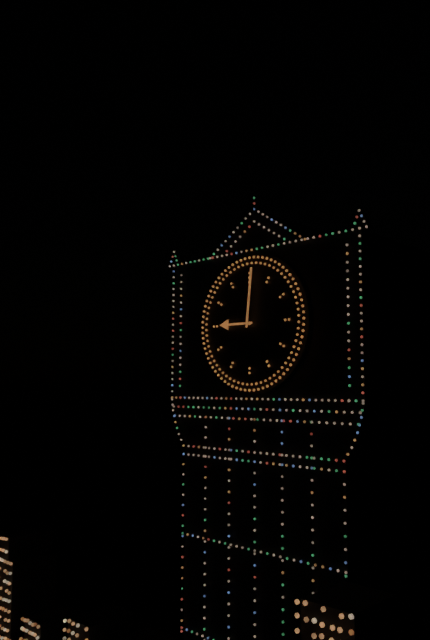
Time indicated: 9:01
